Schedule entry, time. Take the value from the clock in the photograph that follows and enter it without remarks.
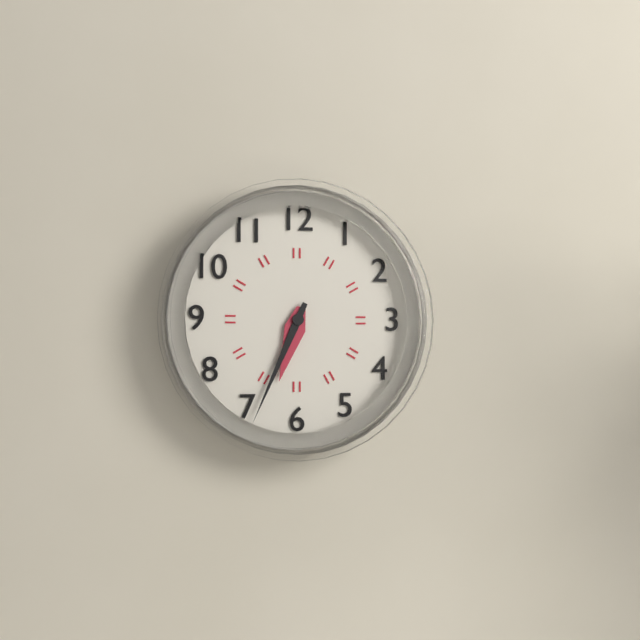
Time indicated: 6:34
